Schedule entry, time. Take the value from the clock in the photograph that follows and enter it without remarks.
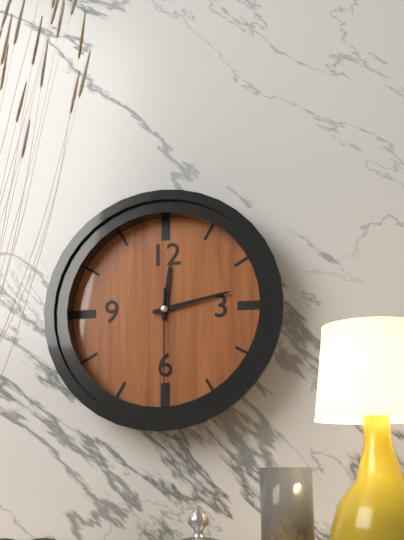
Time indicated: 12:13:30
